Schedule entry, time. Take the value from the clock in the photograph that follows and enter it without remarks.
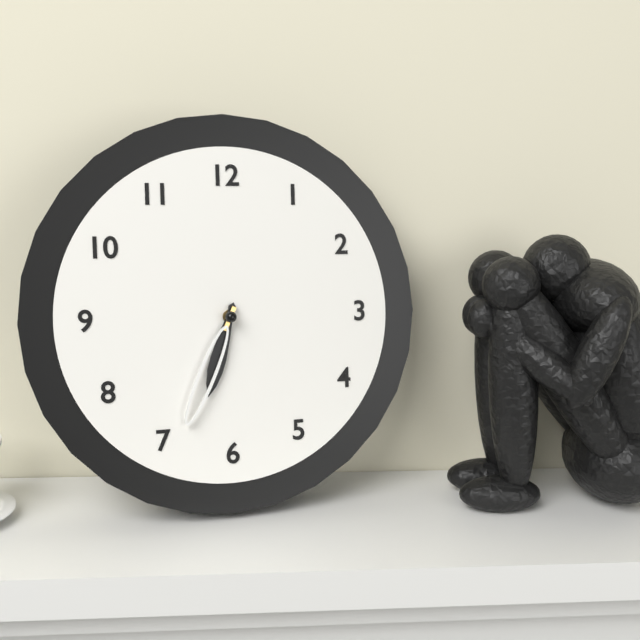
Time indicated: 6:34
